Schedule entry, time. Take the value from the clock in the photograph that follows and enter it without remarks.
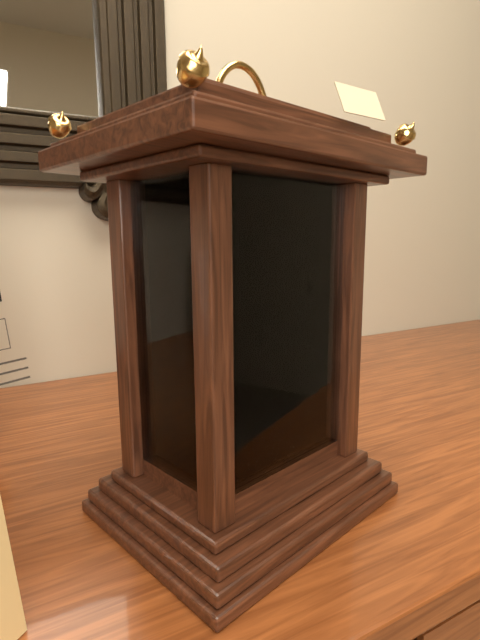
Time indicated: 6:26
